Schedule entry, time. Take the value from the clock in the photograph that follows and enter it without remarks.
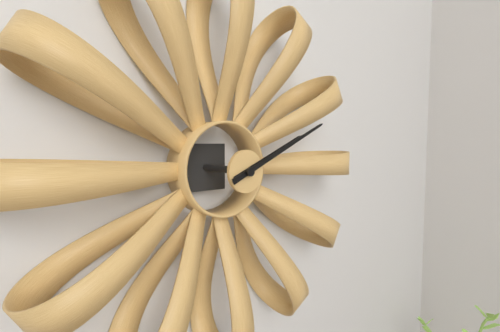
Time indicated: 2:11
